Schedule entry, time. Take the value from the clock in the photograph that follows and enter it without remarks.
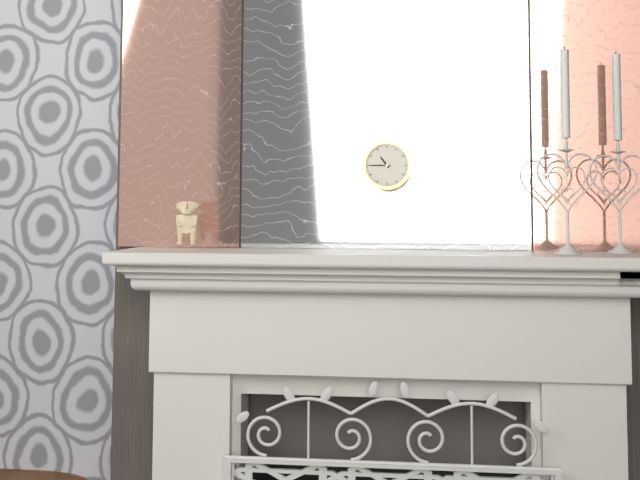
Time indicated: 10:45
